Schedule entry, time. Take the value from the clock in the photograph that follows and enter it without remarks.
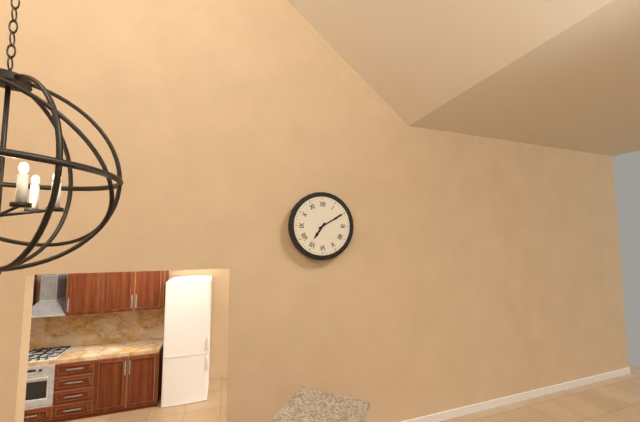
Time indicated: 7:10
